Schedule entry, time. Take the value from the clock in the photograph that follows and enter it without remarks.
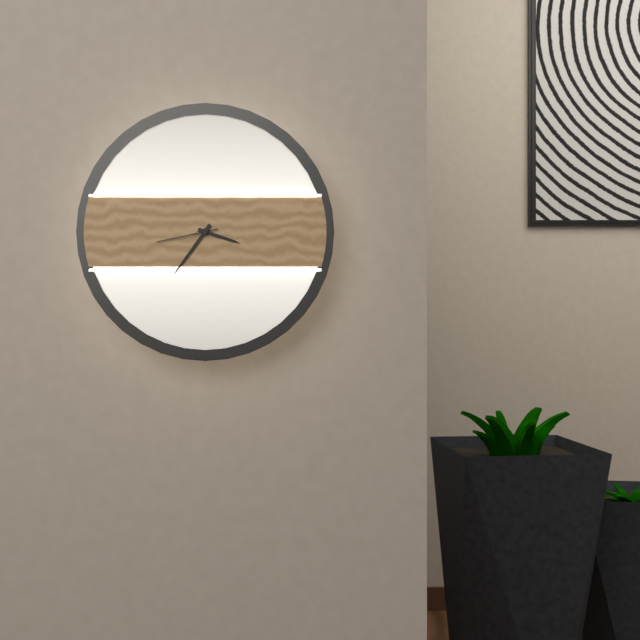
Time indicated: 3:36:43
